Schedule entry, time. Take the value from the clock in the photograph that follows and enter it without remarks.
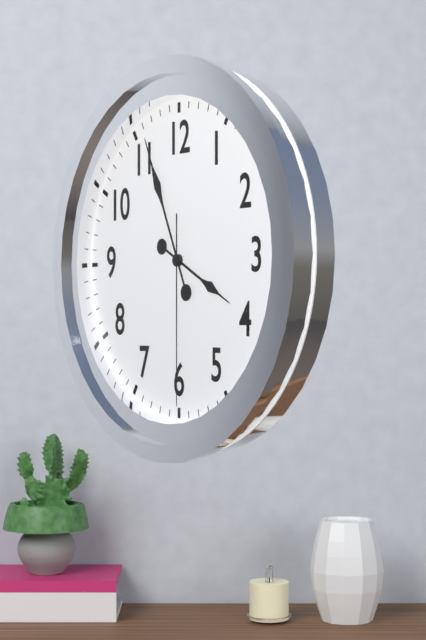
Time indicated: 3:56:30
